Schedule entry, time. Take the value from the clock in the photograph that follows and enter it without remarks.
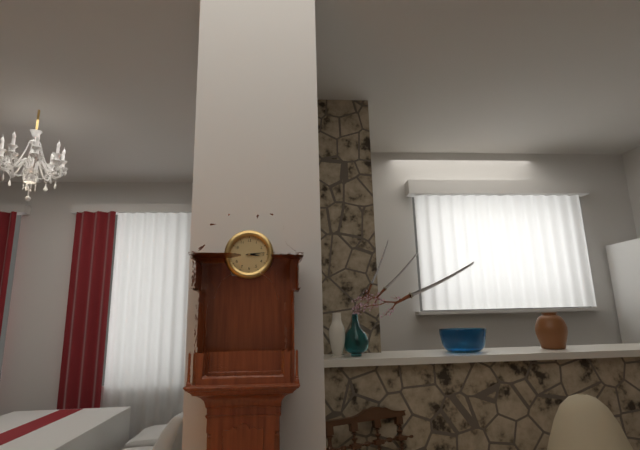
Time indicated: 3:14
